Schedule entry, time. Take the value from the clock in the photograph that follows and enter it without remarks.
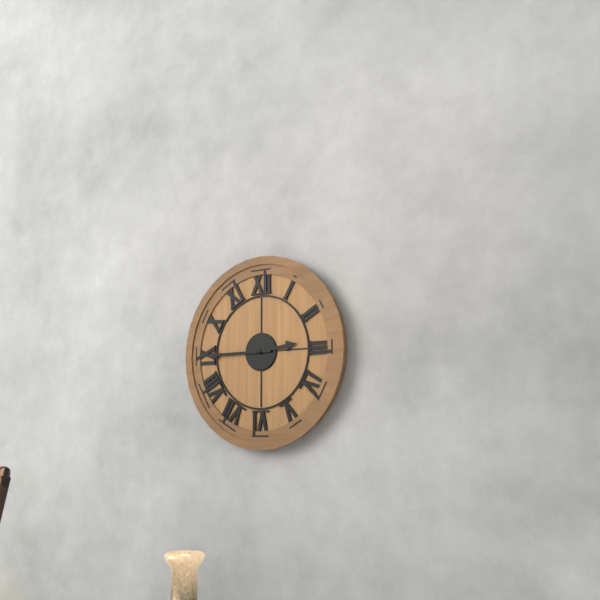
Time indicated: 2:45
